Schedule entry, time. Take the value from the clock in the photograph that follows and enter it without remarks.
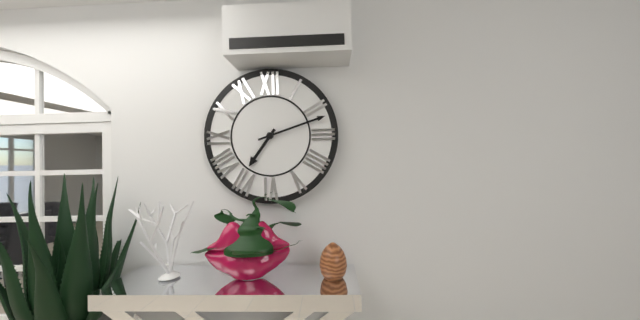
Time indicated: 7:12
